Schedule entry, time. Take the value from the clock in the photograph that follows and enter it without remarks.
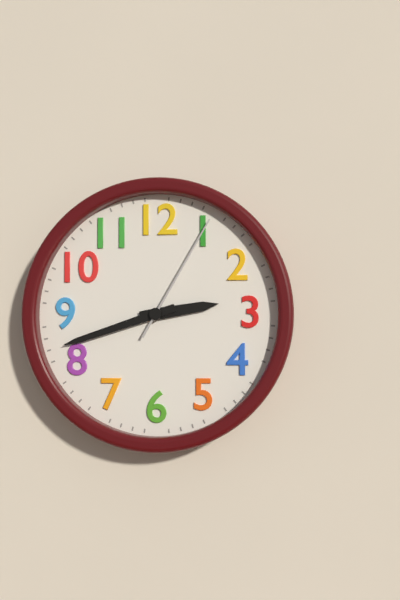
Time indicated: 2:42:05
